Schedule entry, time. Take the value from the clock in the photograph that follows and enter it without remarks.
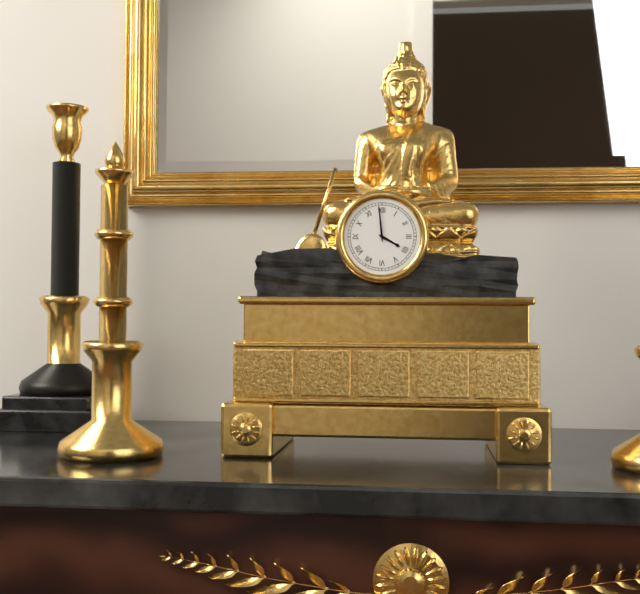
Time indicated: 3:59
